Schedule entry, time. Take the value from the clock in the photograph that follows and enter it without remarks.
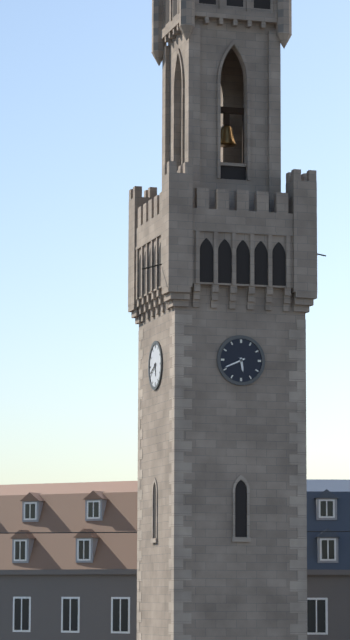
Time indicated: 5:41
